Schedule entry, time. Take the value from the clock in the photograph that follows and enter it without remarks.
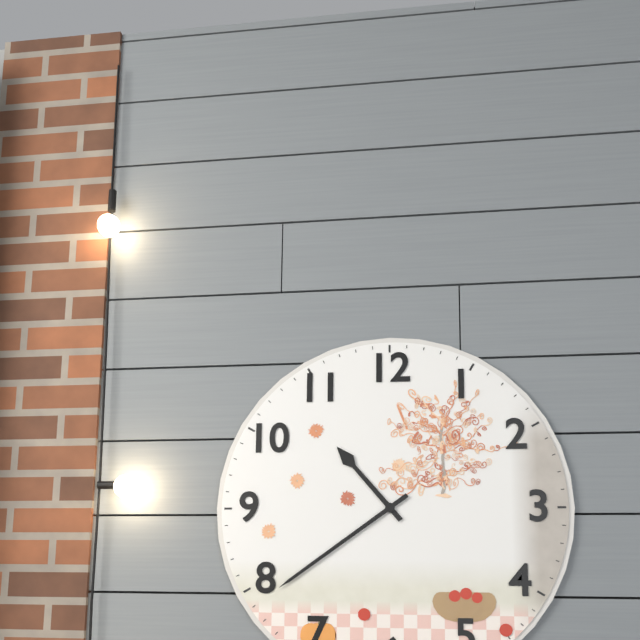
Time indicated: 10:39
